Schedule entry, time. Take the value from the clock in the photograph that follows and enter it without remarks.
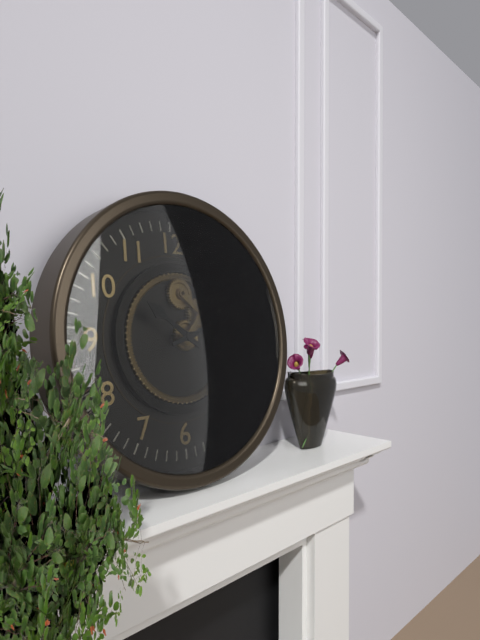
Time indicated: 10:12
